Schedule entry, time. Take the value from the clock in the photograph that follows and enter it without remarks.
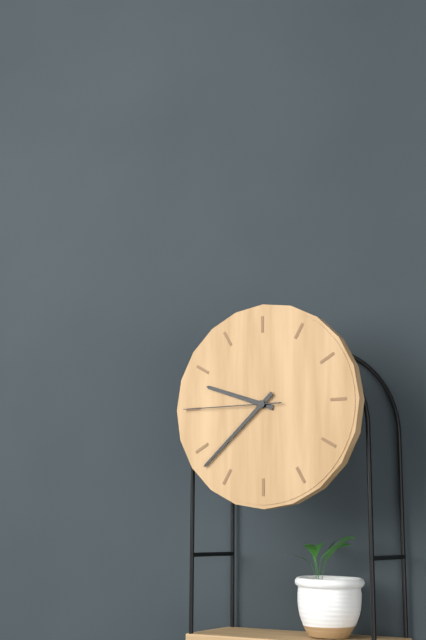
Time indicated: 9:38:45
